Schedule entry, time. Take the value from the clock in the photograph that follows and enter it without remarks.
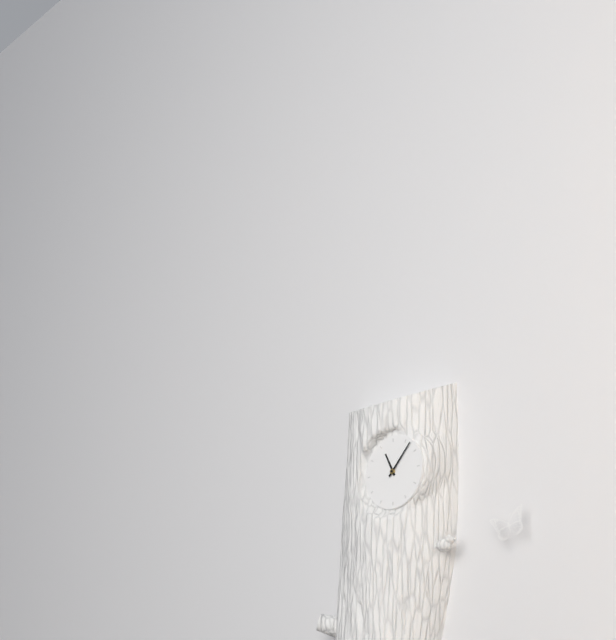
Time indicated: 11:07
